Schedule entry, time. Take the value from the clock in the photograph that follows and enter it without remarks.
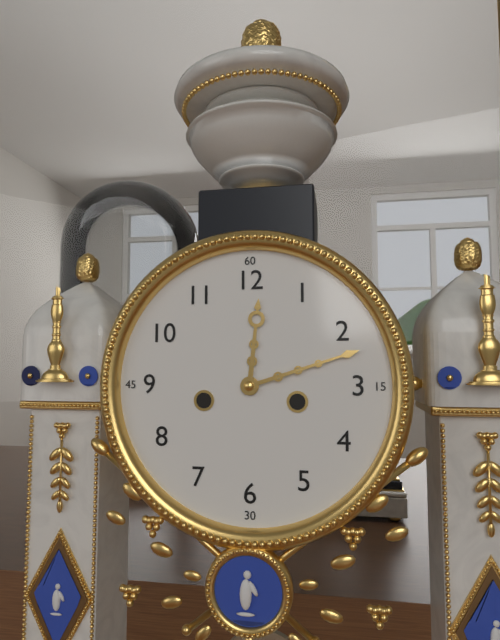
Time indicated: 12:12
